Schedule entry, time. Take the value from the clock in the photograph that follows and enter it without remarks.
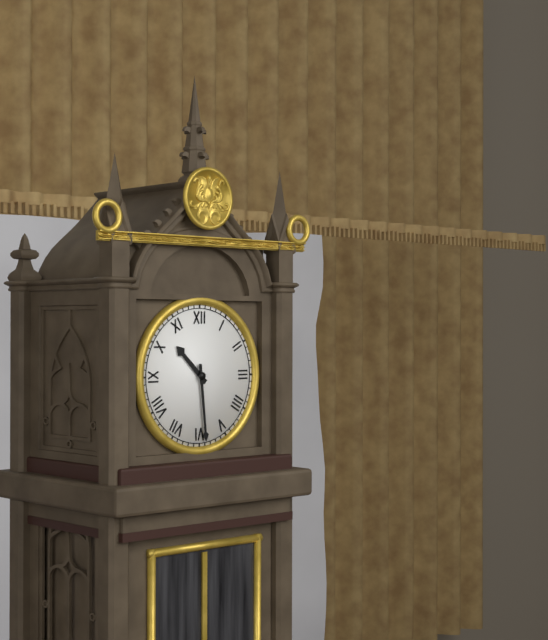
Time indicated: 10:29
